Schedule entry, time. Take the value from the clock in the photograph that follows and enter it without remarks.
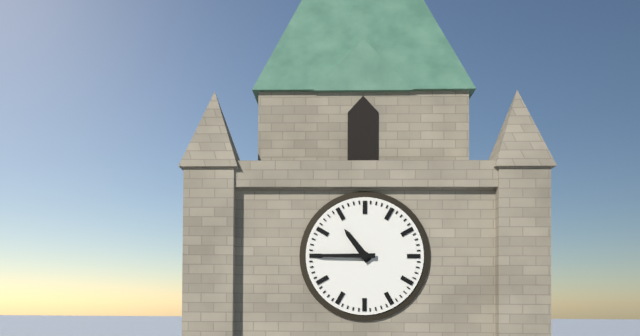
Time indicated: 10:45
